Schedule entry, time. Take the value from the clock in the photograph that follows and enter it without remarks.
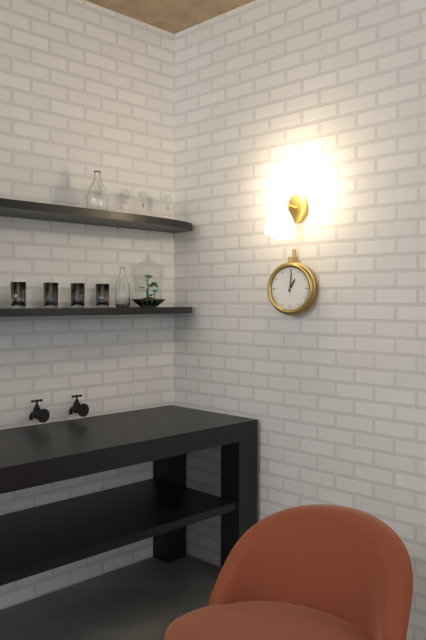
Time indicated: 1:01
